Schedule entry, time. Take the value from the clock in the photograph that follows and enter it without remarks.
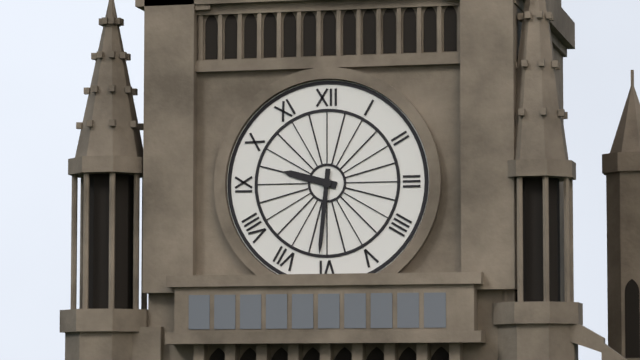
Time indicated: 9:31
